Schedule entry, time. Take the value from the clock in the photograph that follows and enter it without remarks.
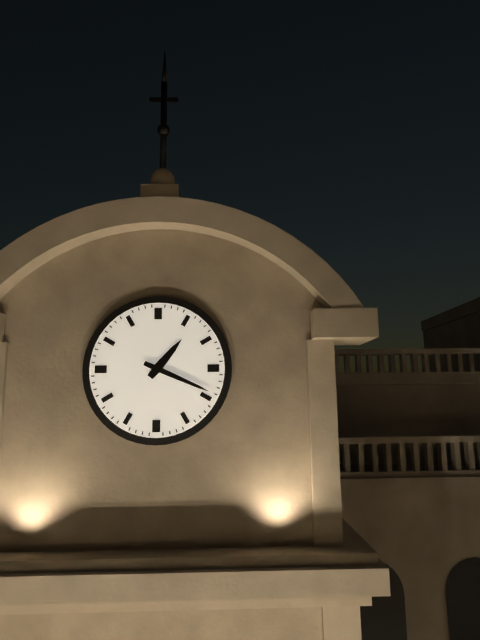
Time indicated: 1:19
